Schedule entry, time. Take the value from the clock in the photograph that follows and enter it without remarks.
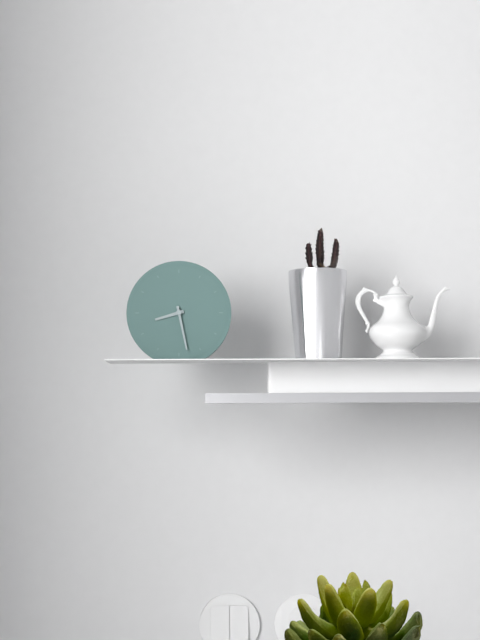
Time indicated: 8:28
